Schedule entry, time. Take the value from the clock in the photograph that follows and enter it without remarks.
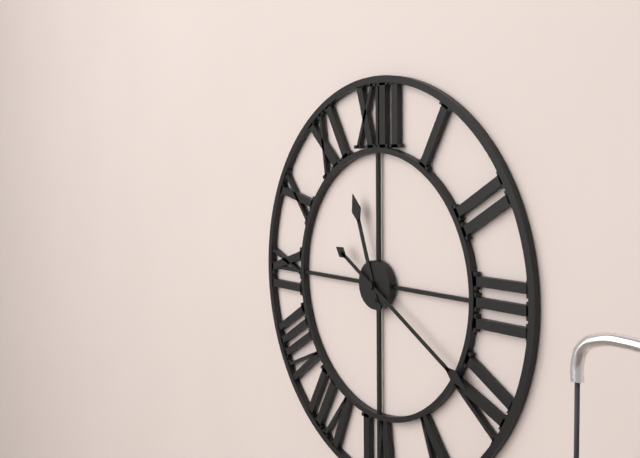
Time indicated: 11:20
